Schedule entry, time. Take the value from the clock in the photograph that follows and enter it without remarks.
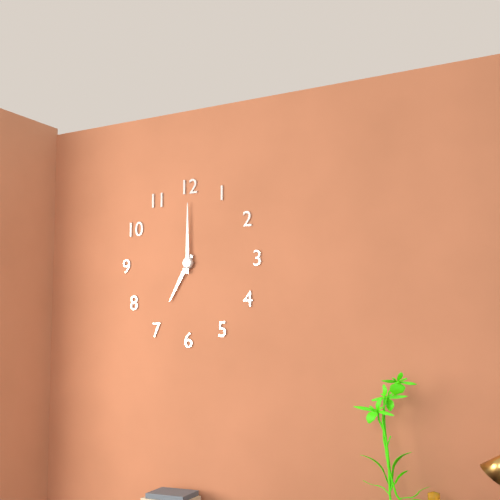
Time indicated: 7:00
